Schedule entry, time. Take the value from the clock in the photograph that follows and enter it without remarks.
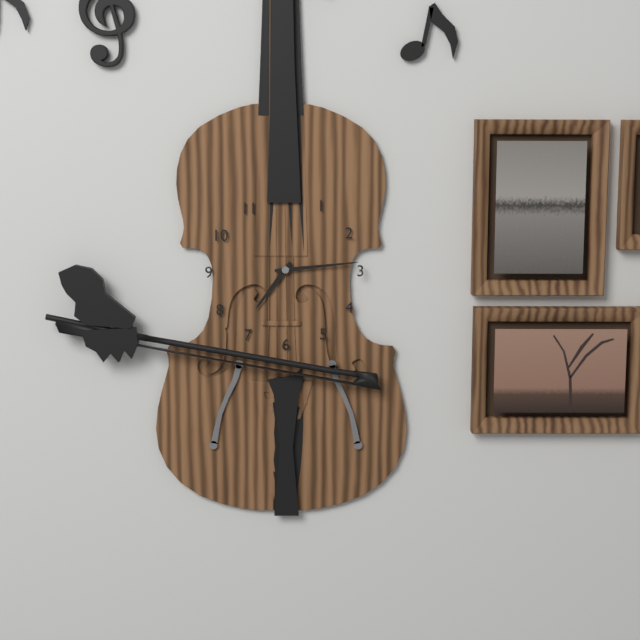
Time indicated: 7:14
